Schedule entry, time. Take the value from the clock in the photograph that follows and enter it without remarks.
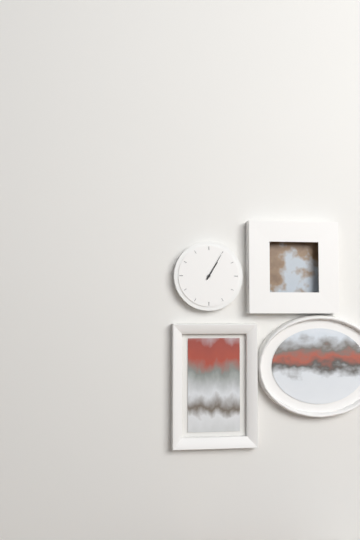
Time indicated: 1:05
